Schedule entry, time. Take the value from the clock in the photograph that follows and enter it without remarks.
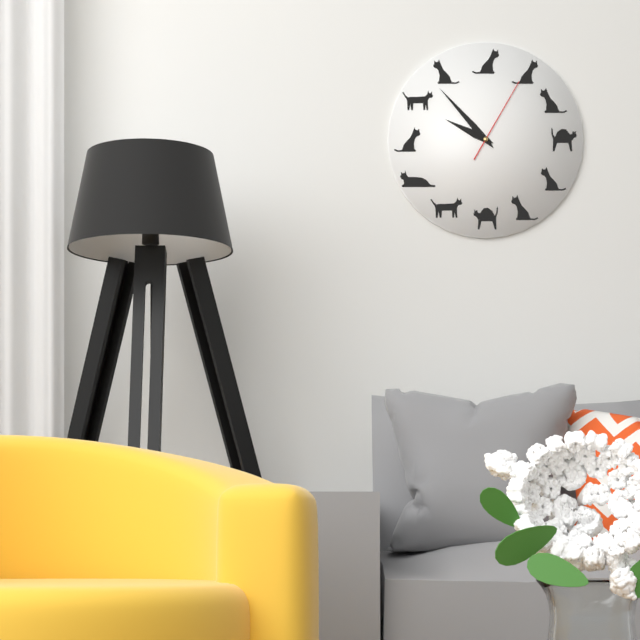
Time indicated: 9:53:05
